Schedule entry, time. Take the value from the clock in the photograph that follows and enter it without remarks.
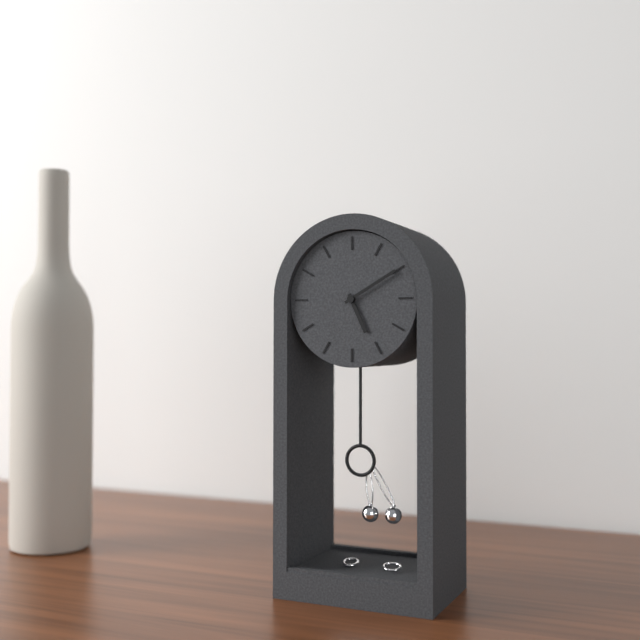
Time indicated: 5:10
